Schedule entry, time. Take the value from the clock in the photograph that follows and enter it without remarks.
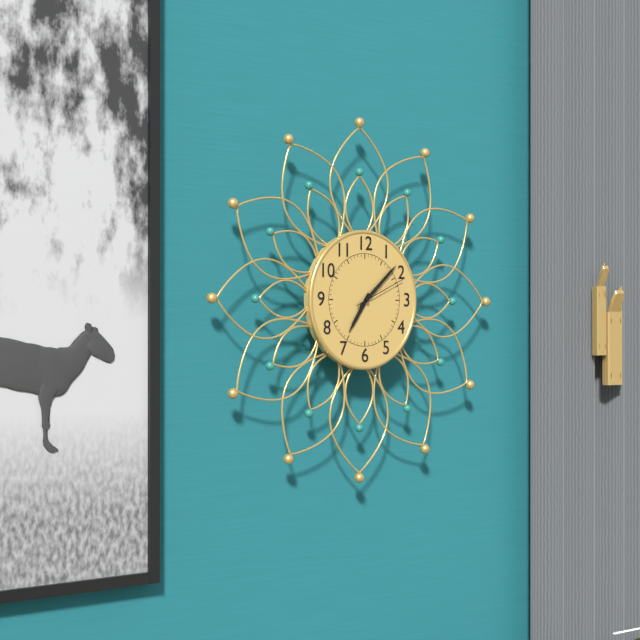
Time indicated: 7:08:11
